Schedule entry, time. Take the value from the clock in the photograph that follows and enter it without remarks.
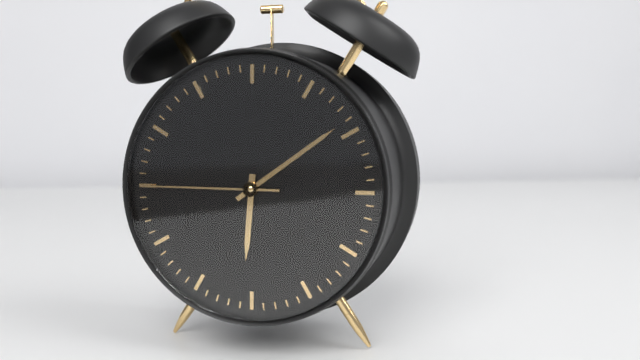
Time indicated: 6:09:45
